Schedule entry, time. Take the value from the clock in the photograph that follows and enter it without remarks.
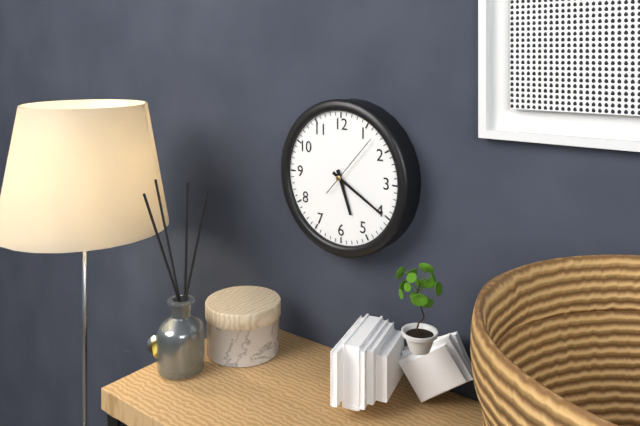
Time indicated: 5:20:07
